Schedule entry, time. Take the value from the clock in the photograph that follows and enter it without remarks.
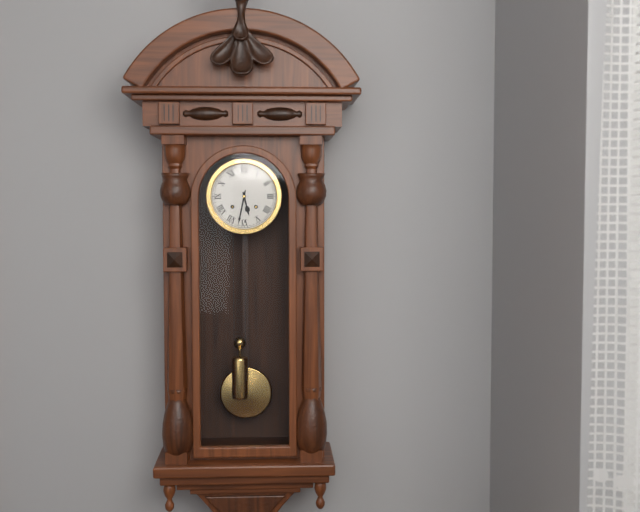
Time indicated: 5:32
